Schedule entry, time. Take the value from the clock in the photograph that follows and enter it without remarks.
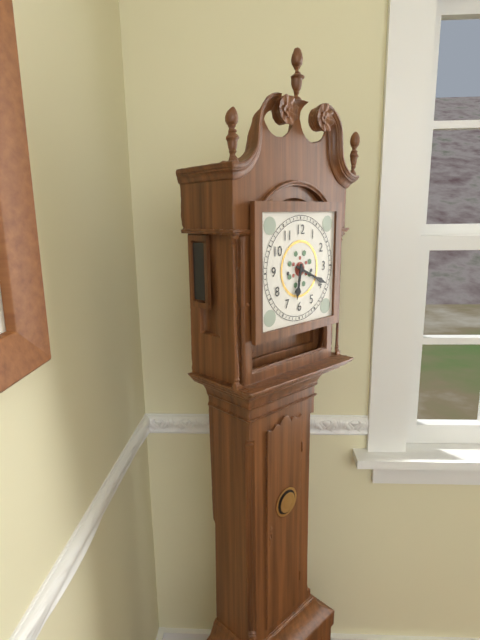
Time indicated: 6:19
